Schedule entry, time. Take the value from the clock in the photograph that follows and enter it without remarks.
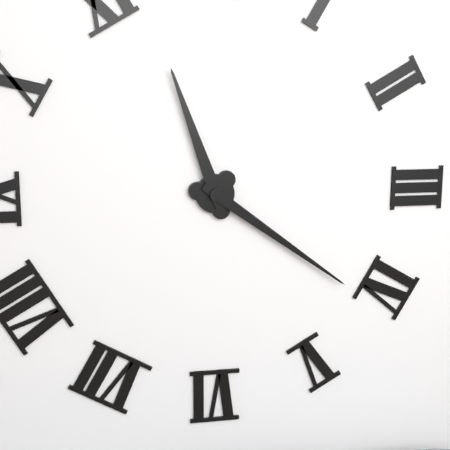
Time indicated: 11:21
